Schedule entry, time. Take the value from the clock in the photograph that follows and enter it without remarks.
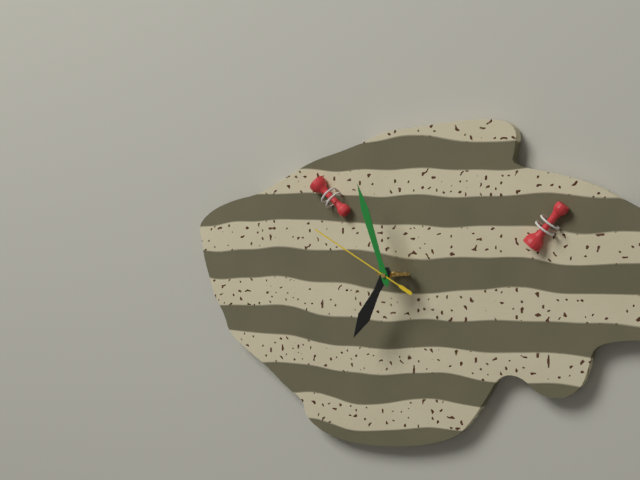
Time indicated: 6:57:50
